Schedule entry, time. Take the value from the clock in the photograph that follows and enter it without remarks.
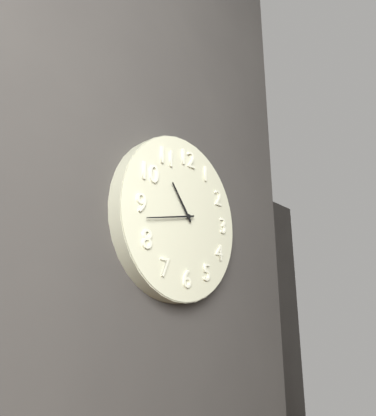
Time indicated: 10:43
